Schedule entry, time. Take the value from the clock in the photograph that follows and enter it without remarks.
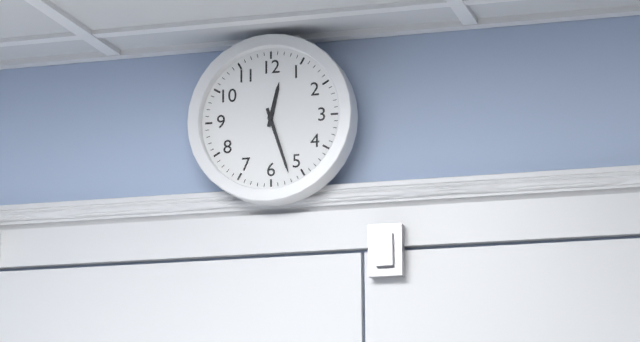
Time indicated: 12:27
